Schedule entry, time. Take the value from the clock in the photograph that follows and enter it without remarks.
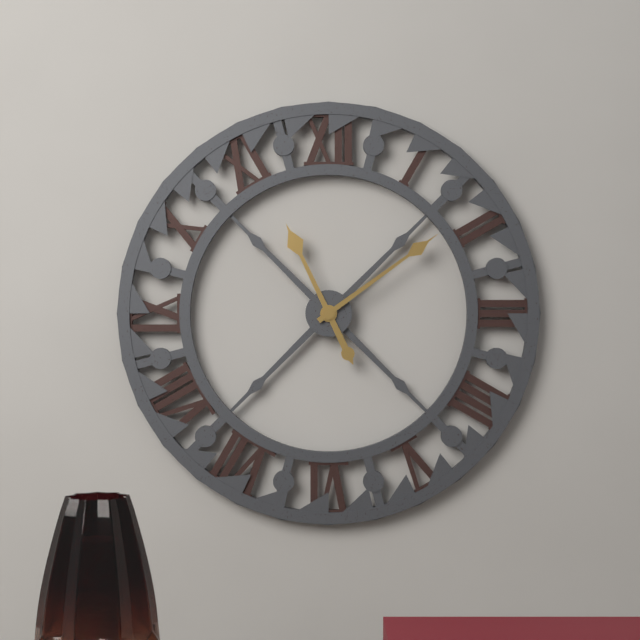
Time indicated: 11:09
